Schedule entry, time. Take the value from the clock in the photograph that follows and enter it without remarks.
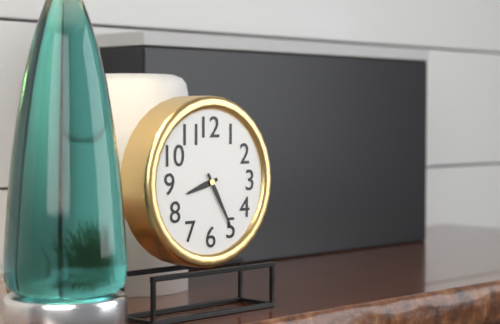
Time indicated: 8:25
